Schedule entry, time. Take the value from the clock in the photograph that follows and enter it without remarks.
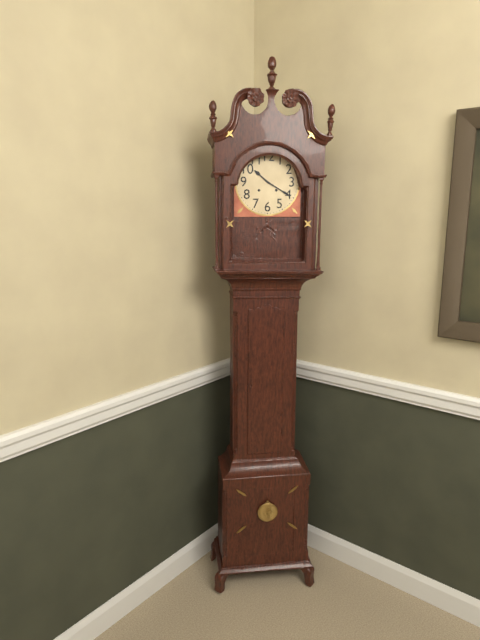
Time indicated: 10:20
